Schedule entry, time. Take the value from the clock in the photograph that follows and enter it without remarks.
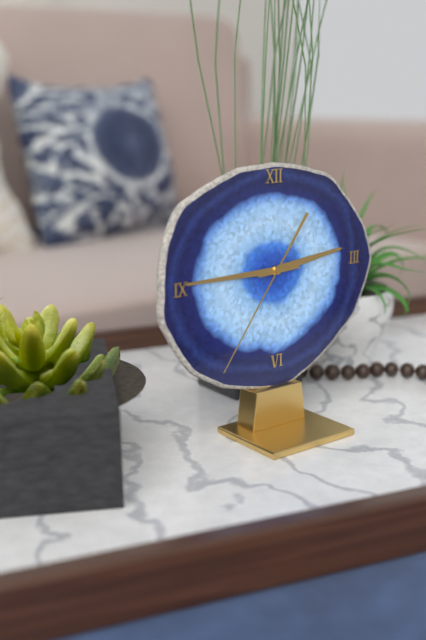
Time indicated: 2:45:36
